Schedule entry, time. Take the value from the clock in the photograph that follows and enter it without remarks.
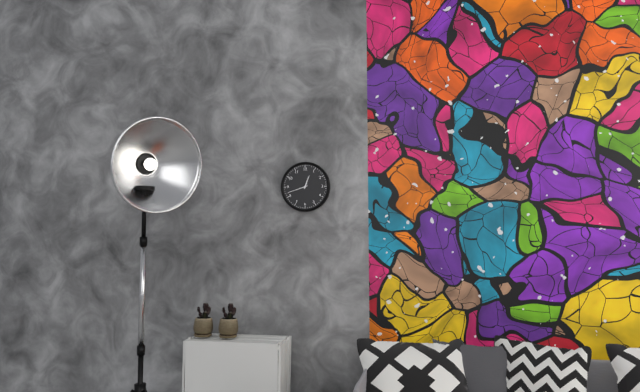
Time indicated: 12:42
